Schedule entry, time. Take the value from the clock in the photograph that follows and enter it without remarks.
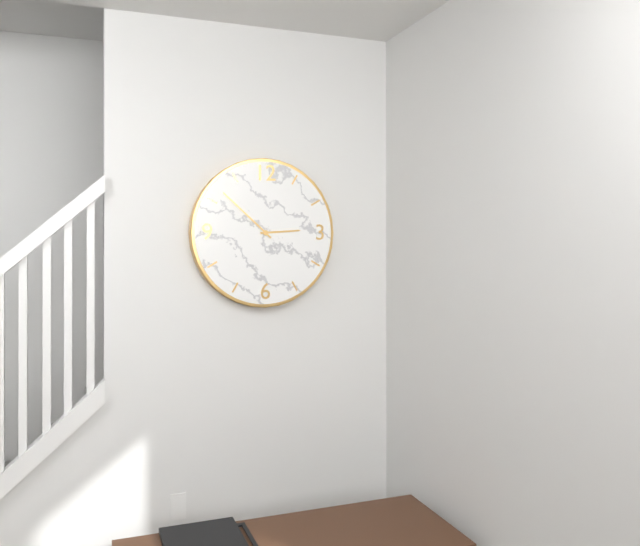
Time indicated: 2:52
